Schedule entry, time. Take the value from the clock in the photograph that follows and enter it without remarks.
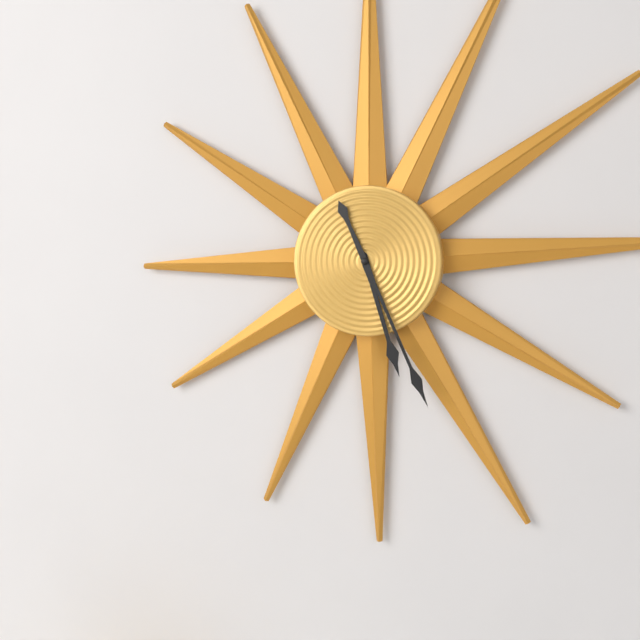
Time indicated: 5:26
